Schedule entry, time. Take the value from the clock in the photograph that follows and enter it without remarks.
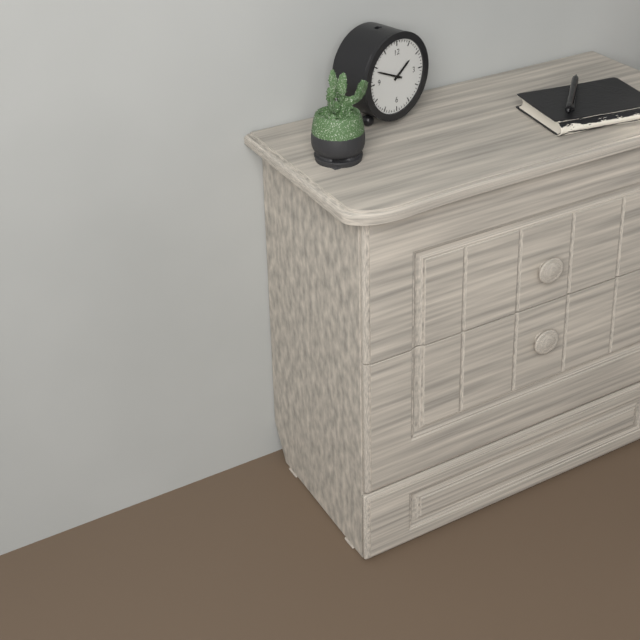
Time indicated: 1:49
